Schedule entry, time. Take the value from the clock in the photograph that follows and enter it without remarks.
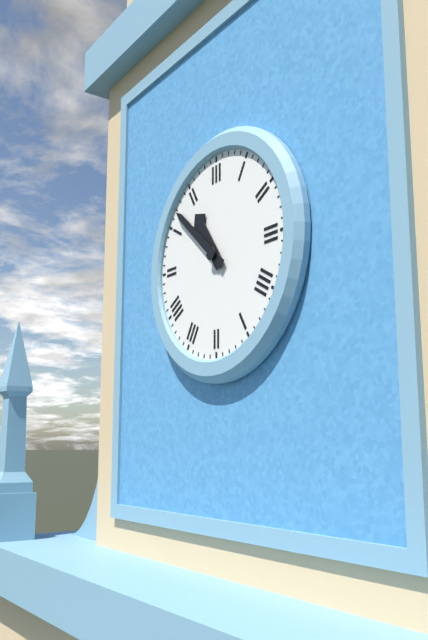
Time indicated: 10:52
